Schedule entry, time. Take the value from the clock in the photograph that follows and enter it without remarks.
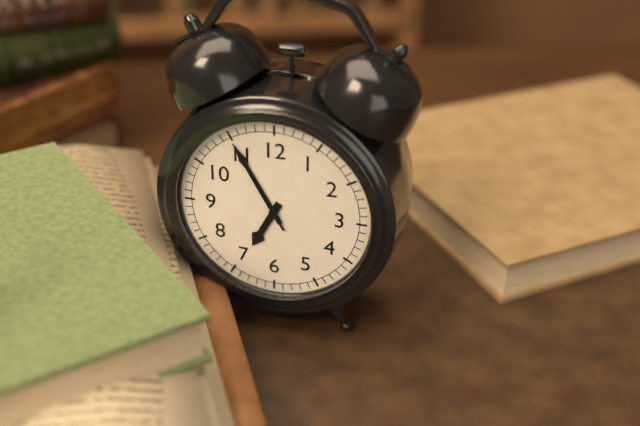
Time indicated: 6:55:55
